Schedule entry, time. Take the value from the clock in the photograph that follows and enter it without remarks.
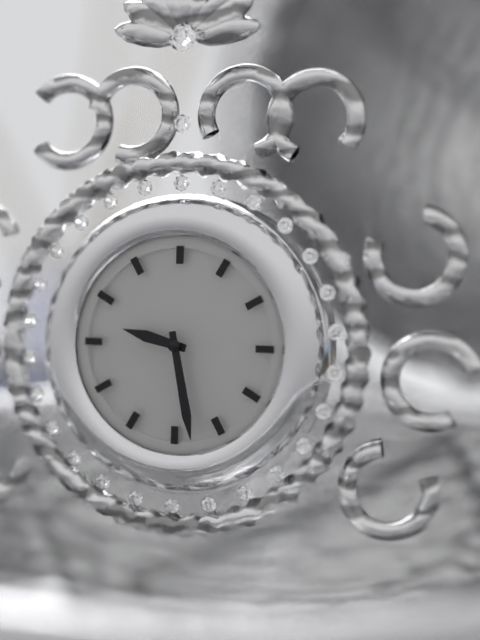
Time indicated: 9:28
